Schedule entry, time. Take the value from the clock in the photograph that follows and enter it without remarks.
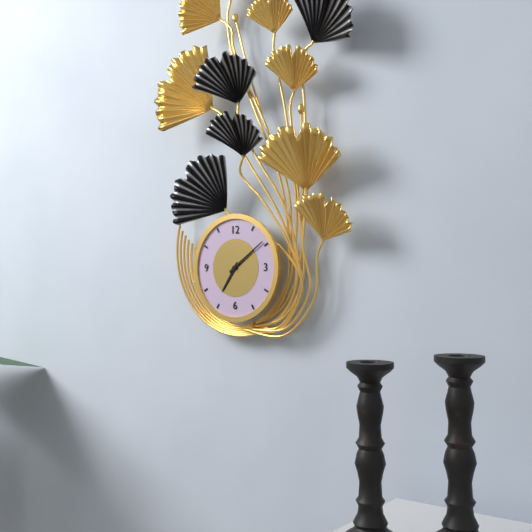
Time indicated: 7:09
